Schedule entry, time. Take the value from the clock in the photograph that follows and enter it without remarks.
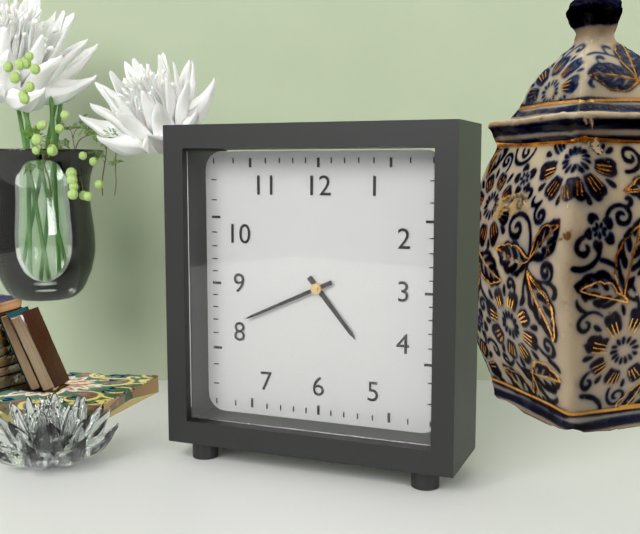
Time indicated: 4:41
